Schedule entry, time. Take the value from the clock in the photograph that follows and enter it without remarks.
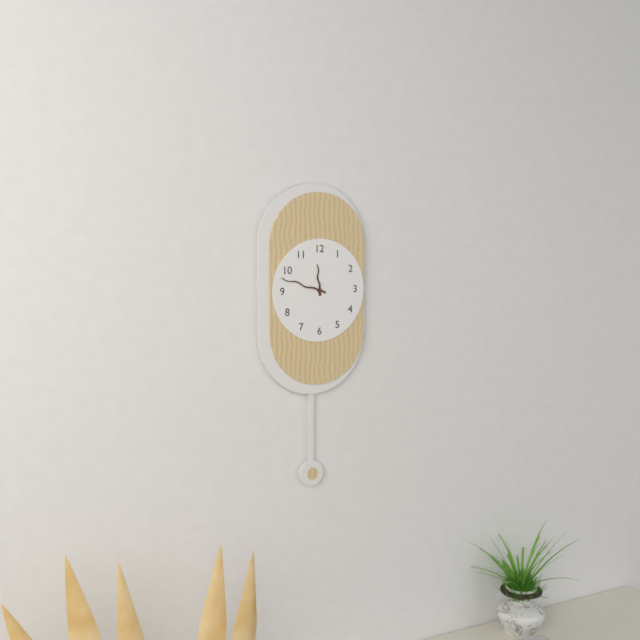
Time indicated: 11:48
